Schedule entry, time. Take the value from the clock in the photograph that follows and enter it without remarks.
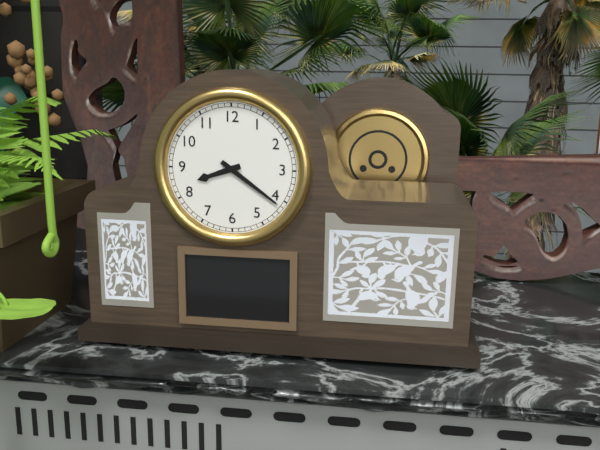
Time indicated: 8:21
